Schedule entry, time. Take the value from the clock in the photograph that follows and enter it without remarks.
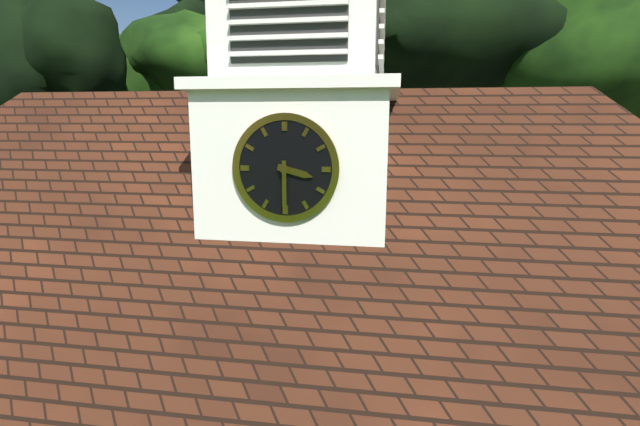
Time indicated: 3:30
